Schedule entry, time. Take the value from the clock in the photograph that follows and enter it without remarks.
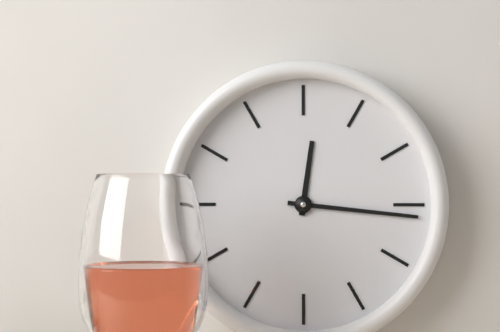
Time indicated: 12:16
